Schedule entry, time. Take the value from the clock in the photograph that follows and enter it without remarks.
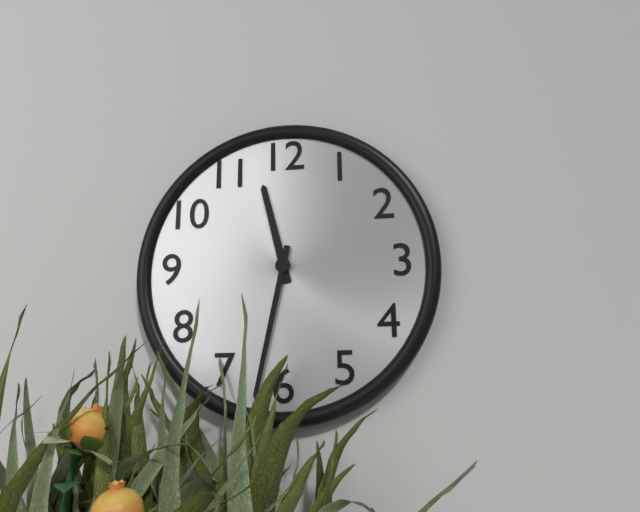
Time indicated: 11:32
